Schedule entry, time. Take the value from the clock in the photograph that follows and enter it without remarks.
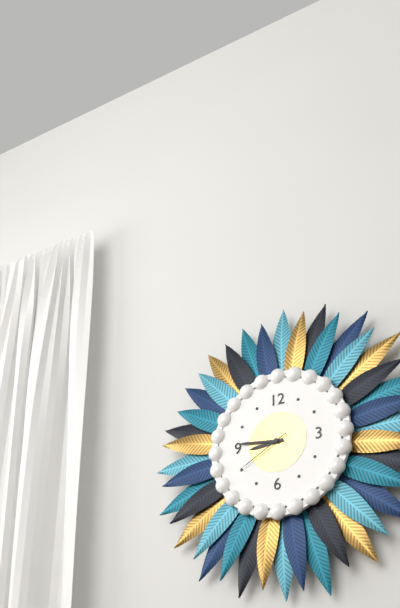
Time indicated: 8:46:40
